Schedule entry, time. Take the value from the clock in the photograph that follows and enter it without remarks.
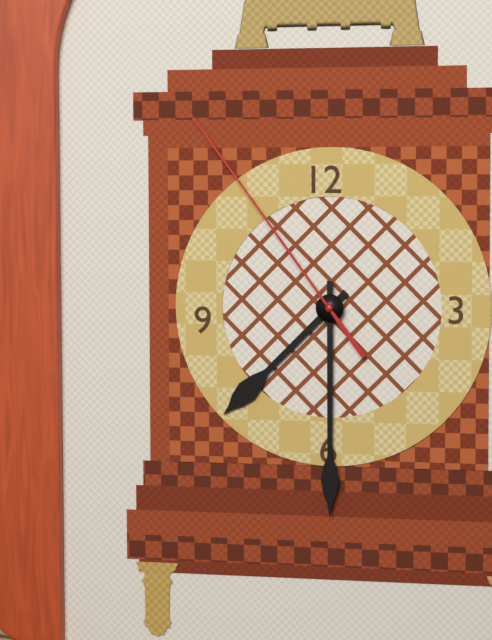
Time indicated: 7:30:54
